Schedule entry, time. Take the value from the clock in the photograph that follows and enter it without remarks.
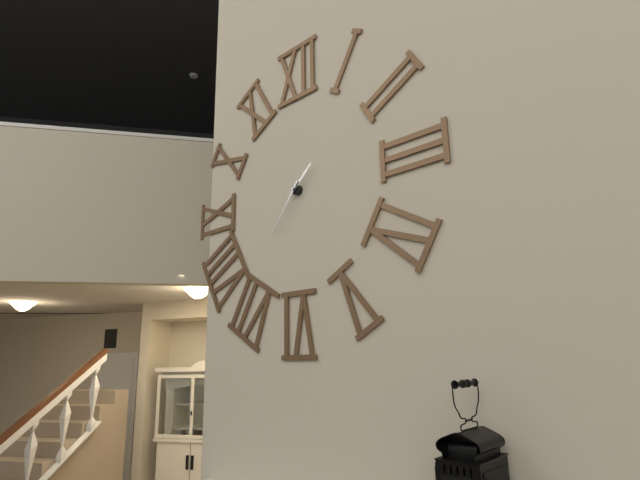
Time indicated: 1:36
